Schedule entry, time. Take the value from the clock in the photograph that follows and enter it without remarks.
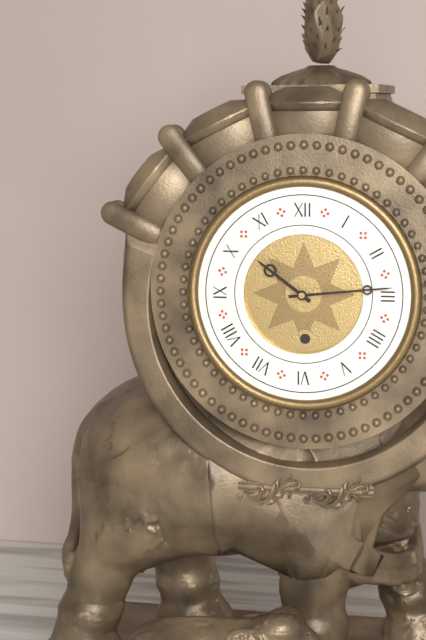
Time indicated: 10:14
